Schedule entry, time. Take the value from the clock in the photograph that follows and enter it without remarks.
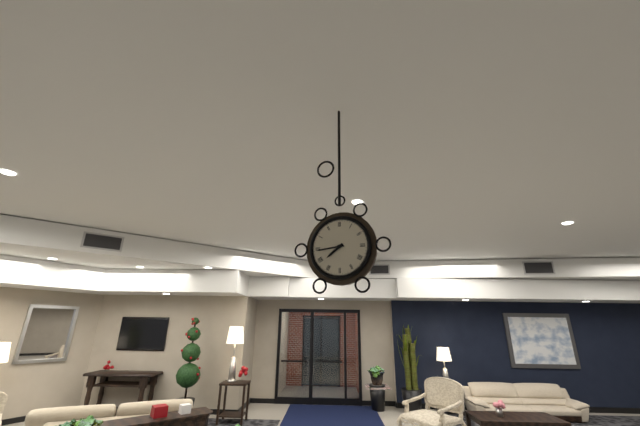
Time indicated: 7:44
